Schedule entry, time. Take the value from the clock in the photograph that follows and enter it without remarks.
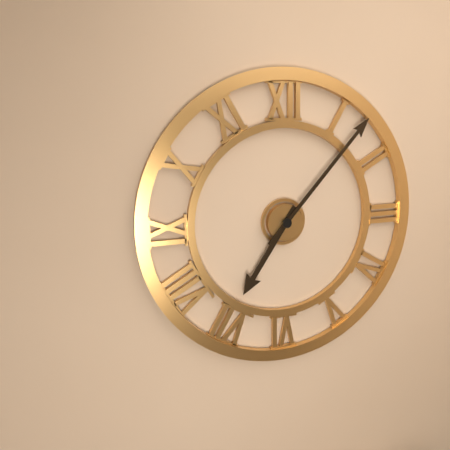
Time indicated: 7:07
